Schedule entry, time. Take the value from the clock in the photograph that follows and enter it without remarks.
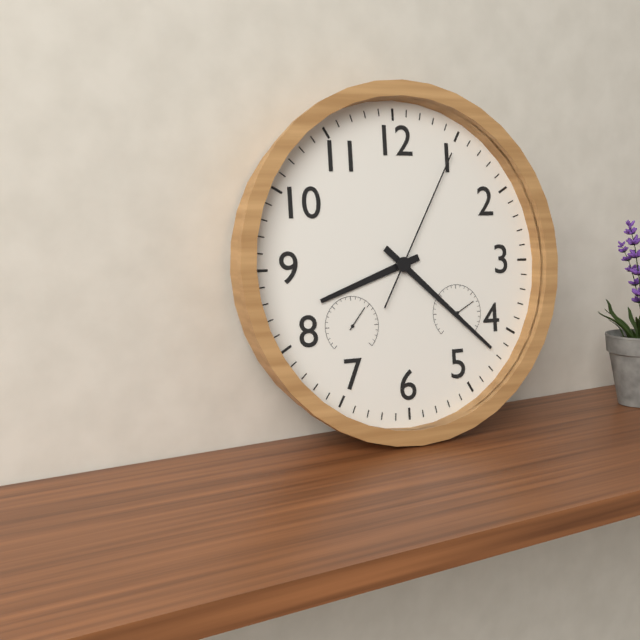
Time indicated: 8:22:05
